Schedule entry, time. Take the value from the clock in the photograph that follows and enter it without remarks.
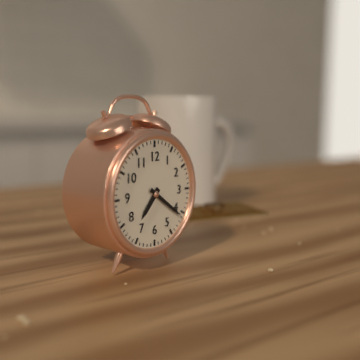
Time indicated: 7:21
